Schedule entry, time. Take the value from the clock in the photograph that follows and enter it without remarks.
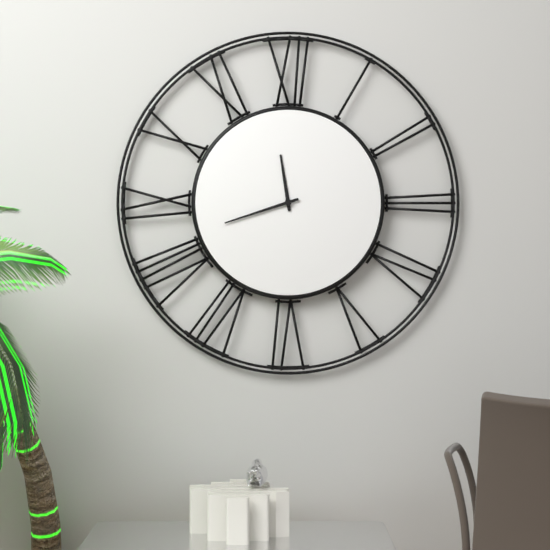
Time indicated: 11:42
